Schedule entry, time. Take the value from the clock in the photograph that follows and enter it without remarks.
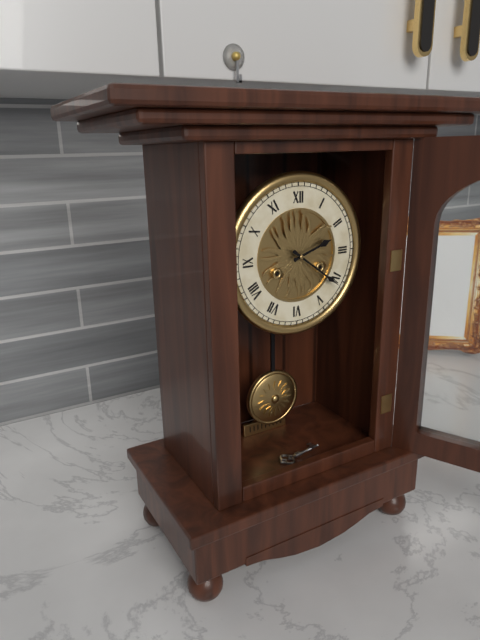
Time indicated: 2:21
